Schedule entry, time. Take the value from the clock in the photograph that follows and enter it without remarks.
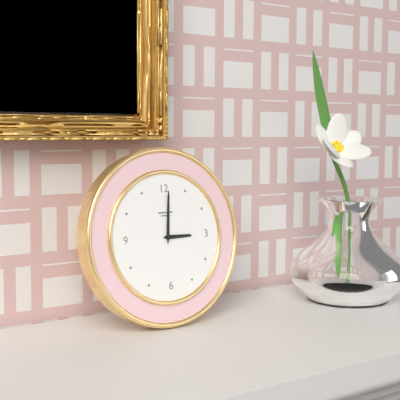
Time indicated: 3:01
